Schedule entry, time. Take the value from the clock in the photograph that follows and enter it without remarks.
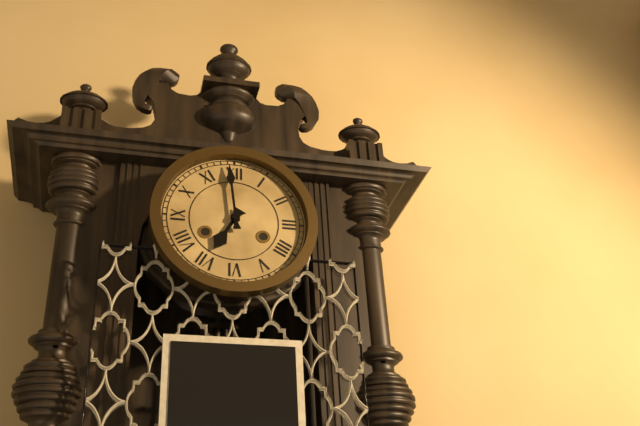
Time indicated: 6:59
